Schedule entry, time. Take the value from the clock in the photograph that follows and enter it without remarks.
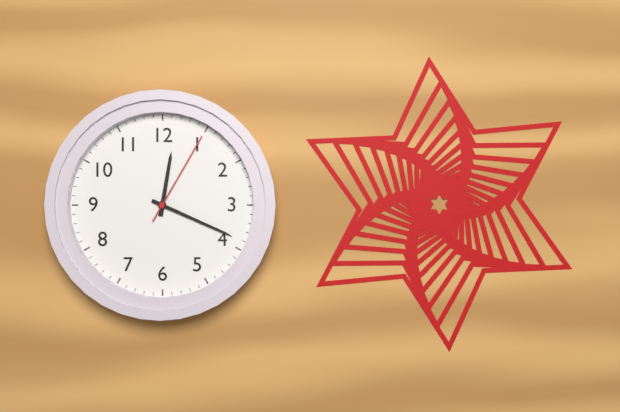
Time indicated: 12:19:05
